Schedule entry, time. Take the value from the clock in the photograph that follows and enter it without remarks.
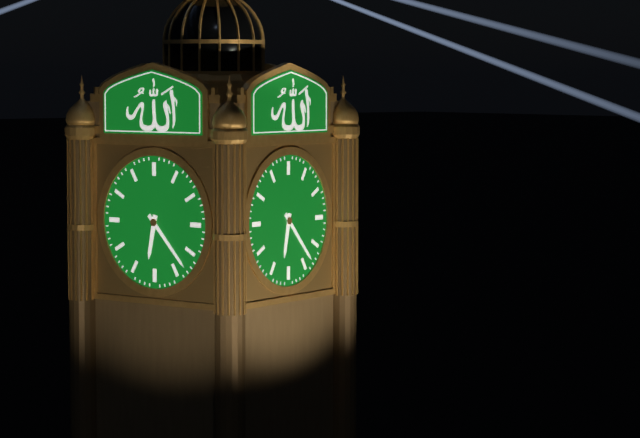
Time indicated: 6:23
